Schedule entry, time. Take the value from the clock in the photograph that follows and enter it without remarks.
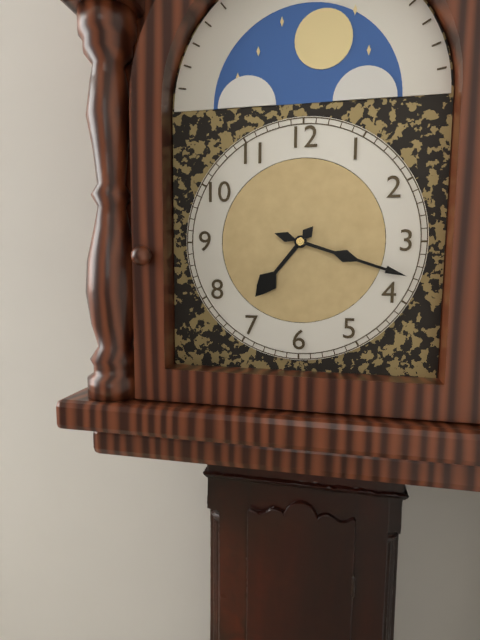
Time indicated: 7:18
